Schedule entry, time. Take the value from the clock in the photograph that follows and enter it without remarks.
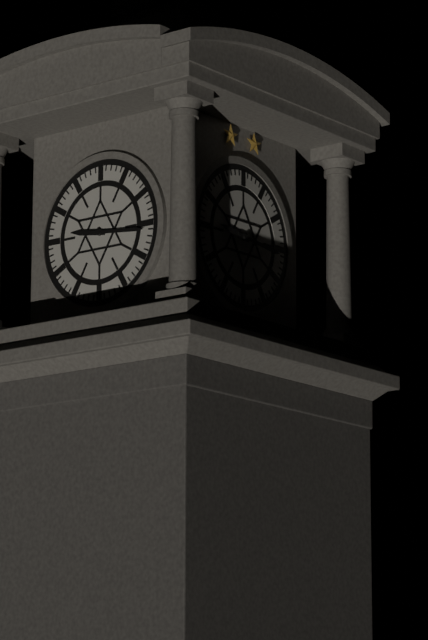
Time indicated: 9:16
